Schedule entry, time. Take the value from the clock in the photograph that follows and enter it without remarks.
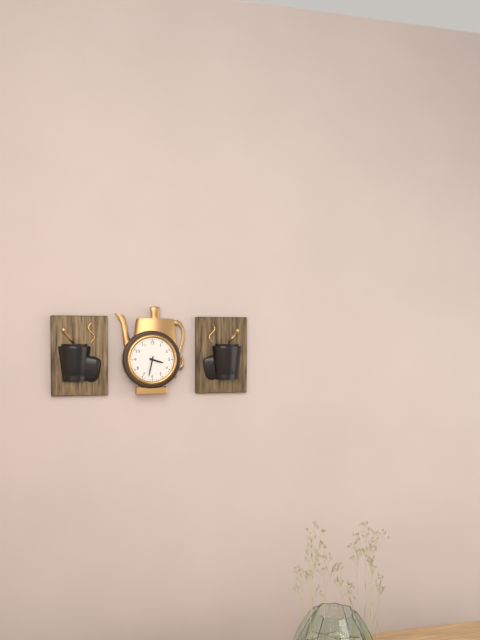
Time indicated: 3:32
